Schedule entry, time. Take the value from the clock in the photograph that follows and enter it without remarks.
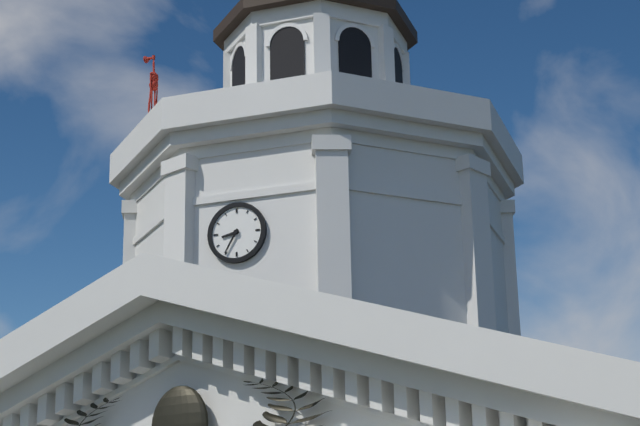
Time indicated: 8:35
